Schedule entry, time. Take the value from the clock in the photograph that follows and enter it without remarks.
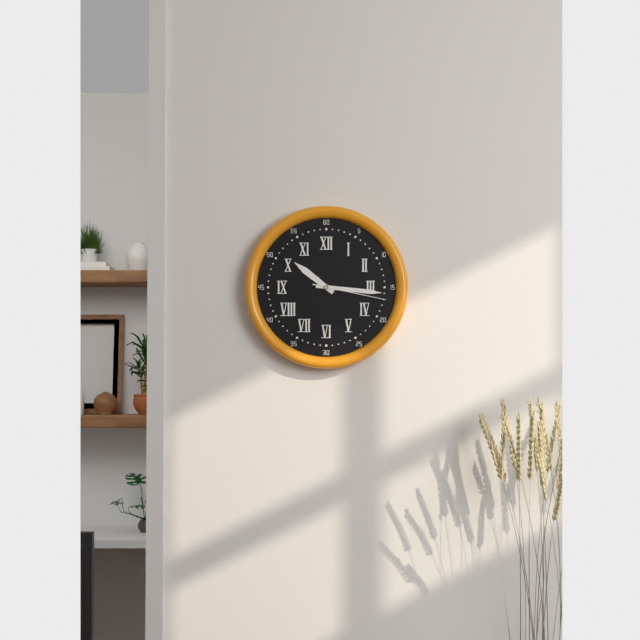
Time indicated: 10:16:17
